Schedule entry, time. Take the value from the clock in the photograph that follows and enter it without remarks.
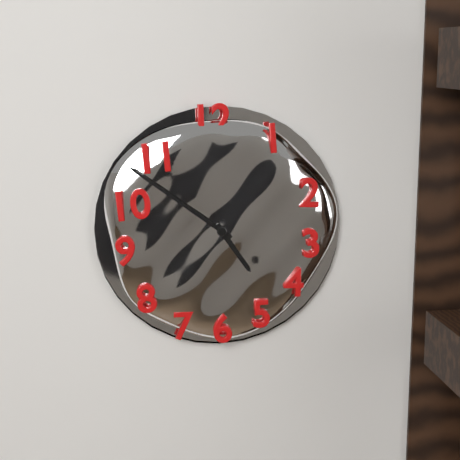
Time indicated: 4:51
